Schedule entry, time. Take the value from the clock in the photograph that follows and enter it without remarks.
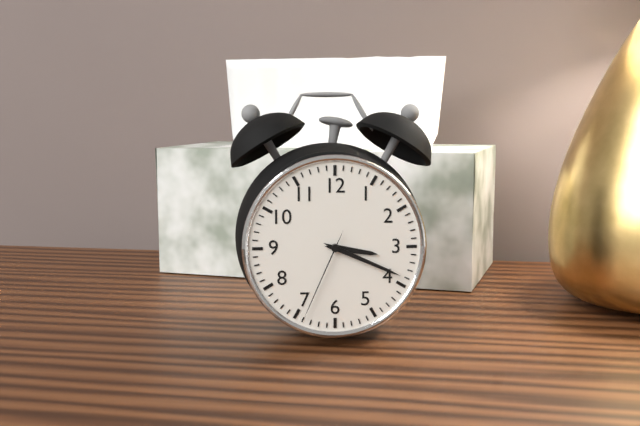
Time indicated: 3:19:34
